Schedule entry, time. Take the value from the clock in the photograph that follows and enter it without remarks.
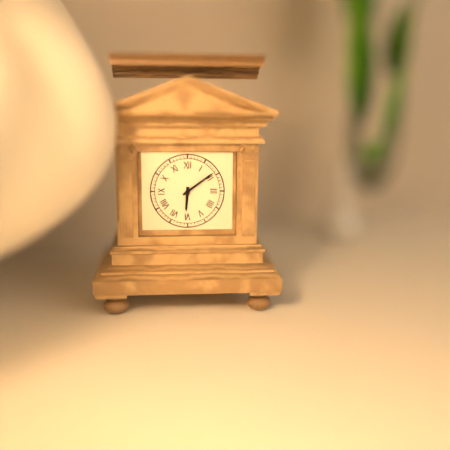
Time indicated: 6:09
